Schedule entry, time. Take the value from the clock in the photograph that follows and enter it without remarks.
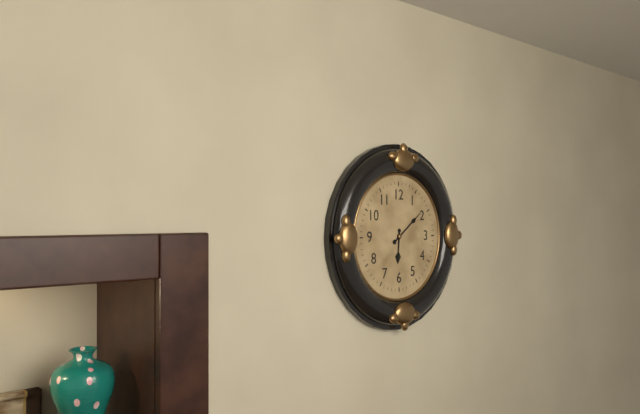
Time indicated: 6:09
